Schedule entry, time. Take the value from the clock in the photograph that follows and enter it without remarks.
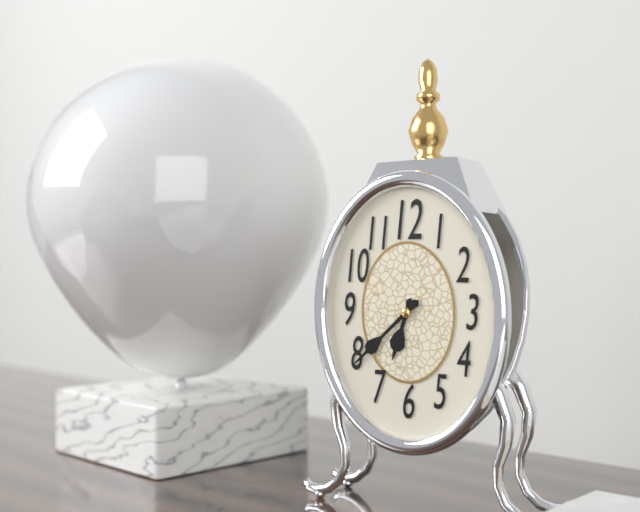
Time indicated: 6:38
